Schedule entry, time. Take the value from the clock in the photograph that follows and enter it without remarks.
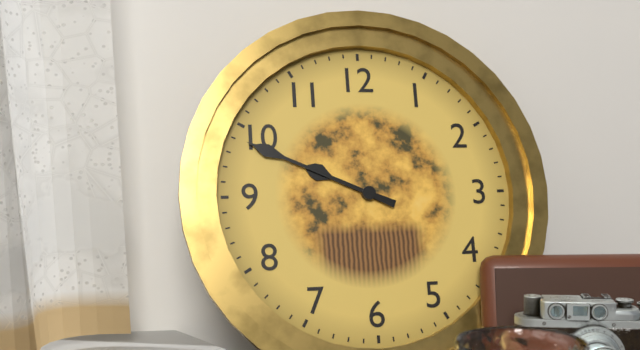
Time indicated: 9:49
